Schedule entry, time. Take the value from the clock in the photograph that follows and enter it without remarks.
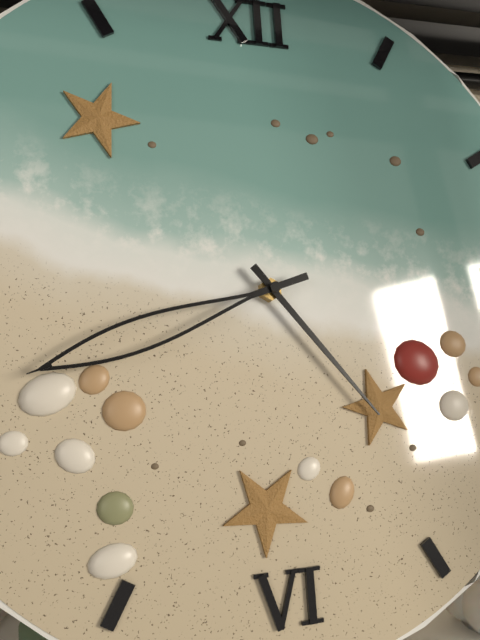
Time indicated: 4:42
